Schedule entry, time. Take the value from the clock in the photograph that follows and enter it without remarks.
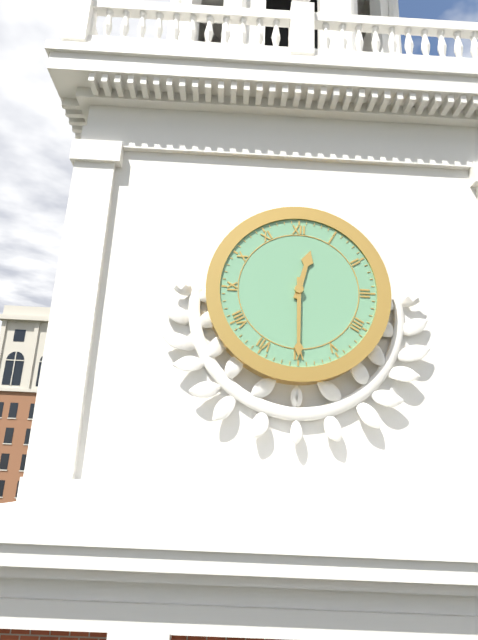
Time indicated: 12:30
